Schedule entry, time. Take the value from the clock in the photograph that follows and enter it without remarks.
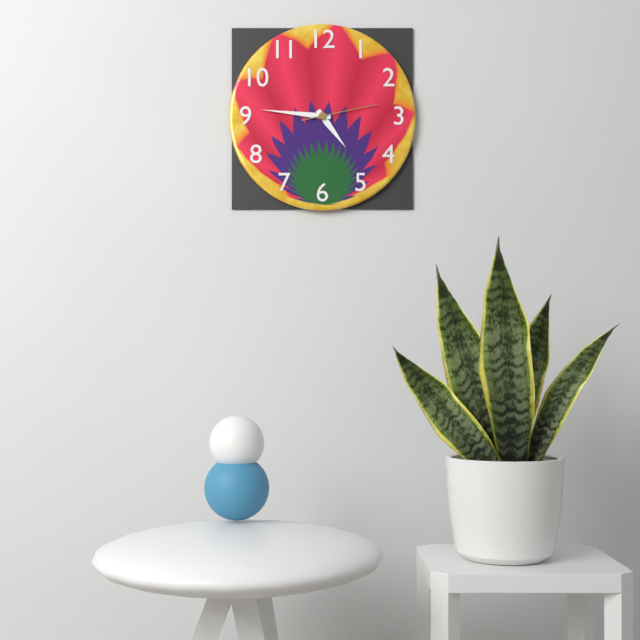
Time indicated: 4:46:13
